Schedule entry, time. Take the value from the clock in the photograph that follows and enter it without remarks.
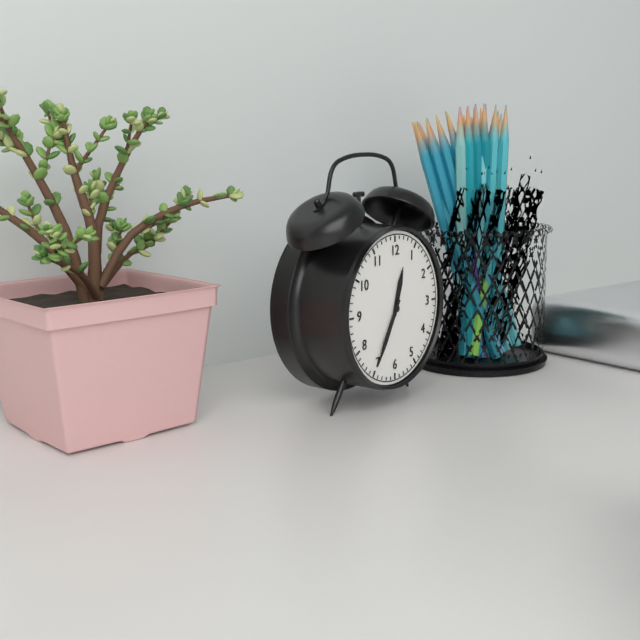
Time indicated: 12:35
